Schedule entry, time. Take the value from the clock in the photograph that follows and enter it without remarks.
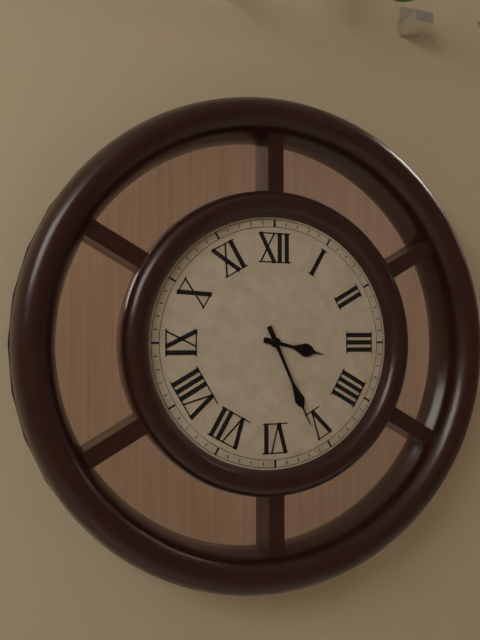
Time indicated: 3:26
